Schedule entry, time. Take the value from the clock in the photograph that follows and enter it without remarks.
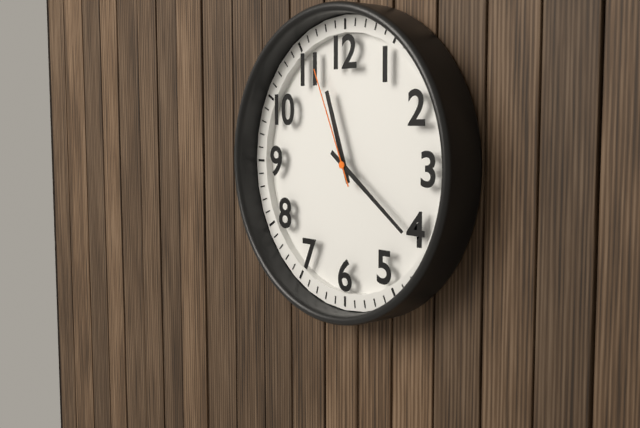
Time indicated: 11:21:56
